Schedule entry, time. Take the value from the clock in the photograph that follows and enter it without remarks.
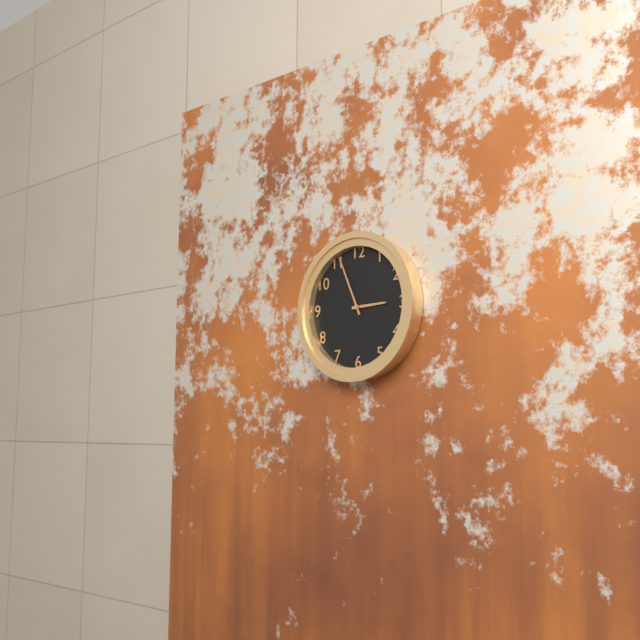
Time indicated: 2:56
